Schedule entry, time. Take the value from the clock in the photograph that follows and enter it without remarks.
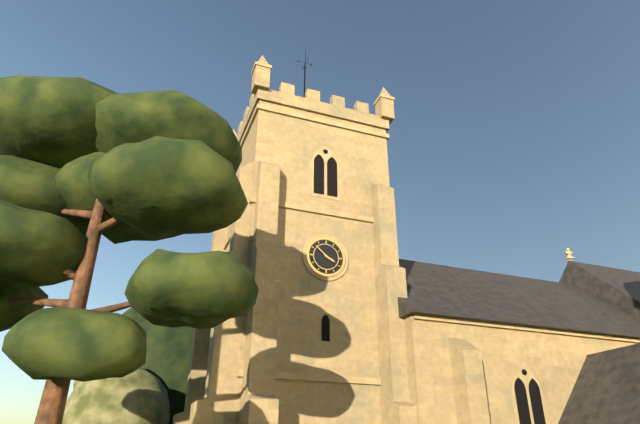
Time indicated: 3:52
